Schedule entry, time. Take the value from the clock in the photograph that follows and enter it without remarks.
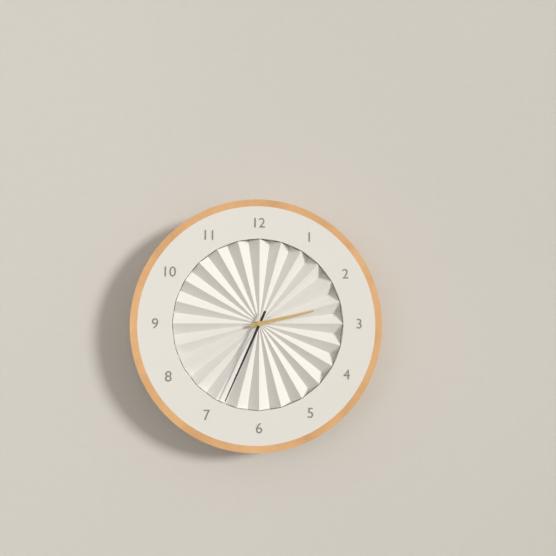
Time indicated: 2:34
